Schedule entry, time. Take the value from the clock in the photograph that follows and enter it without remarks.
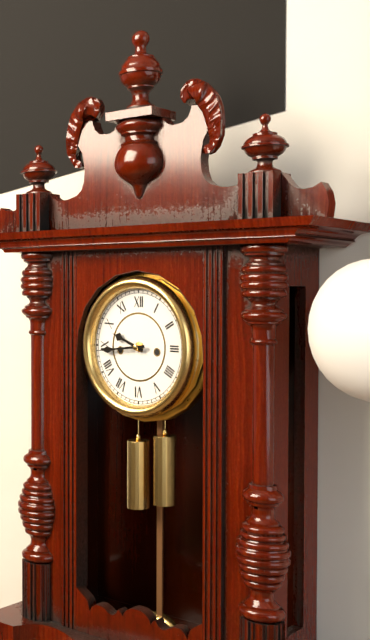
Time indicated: 9:44
